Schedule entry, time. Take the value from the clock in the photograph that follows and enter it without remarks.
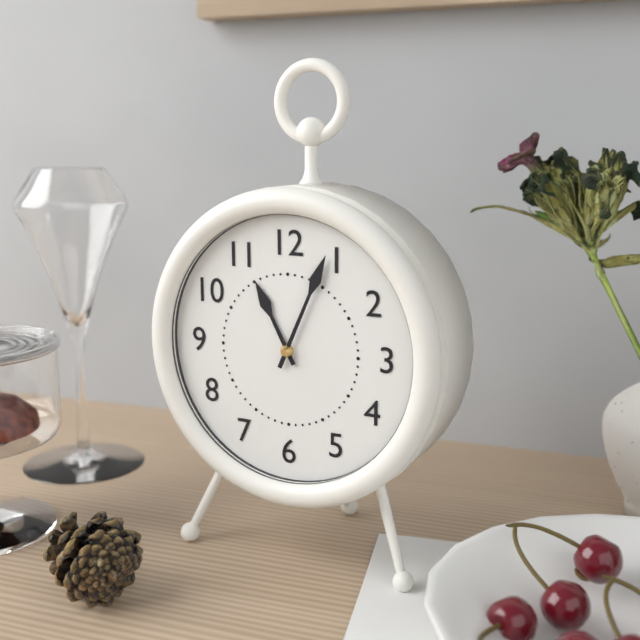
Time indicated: 11:04
